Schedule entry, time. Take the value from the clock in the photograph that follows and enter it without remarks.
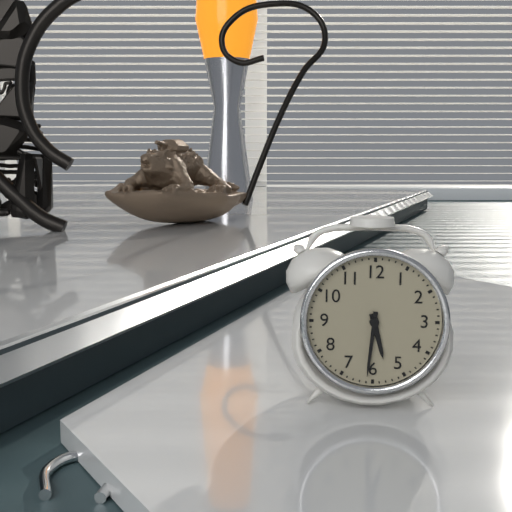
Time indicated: 5:31
